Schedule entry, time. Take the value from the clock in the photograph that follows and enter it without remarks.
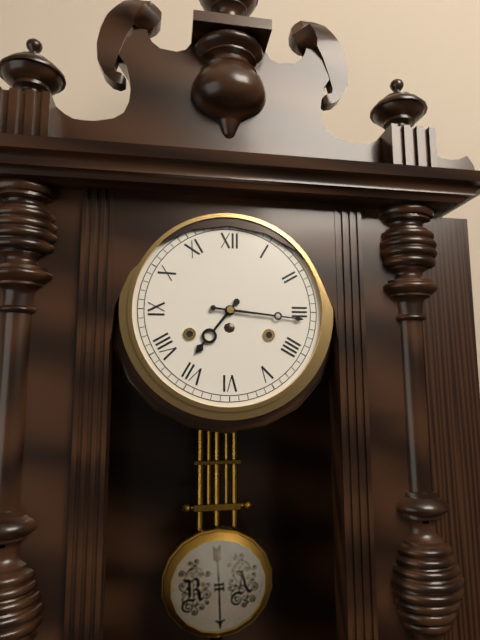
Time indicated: 7:16
